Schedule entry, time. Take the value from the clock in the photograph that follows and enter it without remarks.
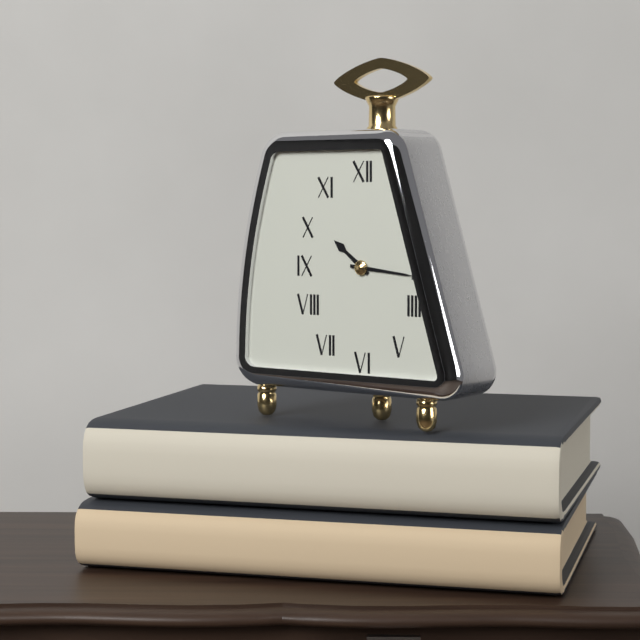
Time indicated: 10:16
